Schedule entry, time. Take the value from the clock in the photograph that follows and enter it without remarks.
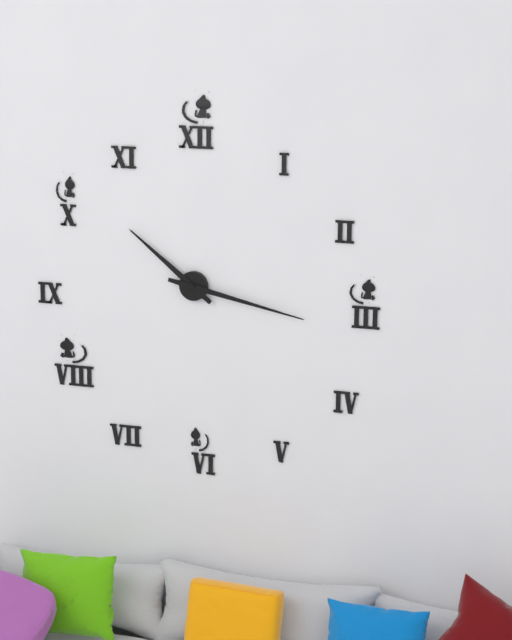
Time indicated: 10:17
